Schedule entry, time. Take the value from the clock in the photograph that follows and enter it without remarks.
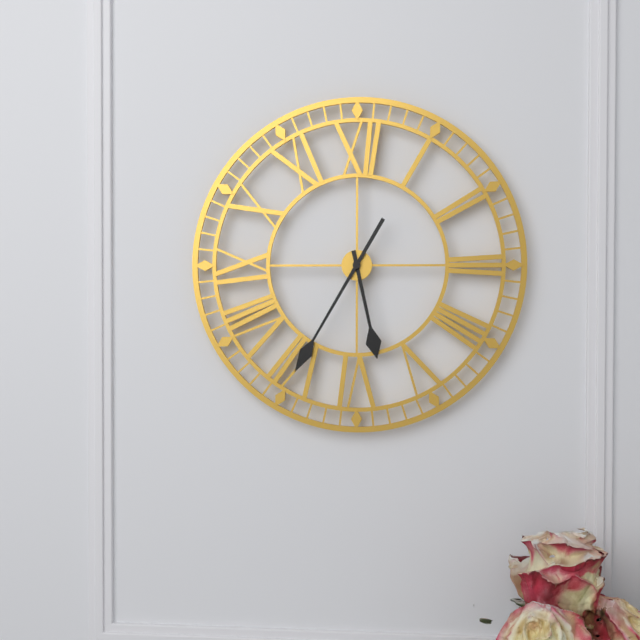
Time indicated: 5:35
